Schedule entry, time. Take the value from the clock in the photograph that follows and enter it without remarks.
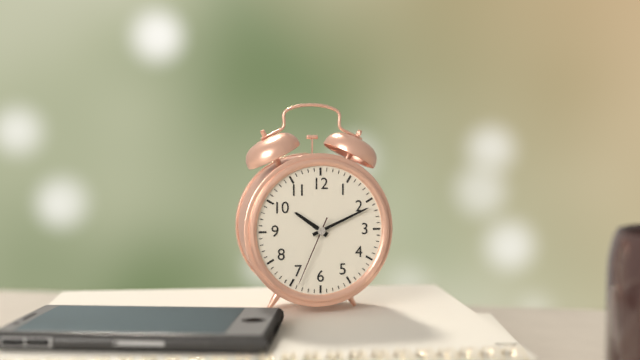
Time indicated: 10:11:34
